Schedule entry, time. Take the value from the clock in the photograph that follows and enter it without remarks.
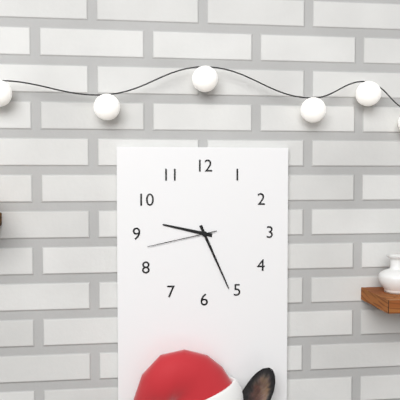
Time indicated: 9:26:43
